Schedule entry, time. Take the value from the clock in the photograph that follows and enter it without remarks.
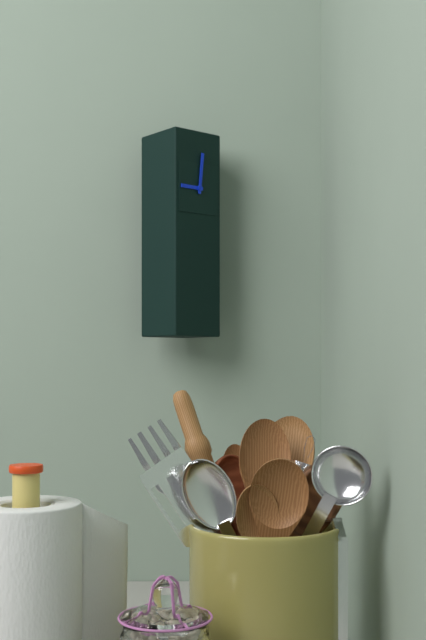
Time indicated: 9:01
